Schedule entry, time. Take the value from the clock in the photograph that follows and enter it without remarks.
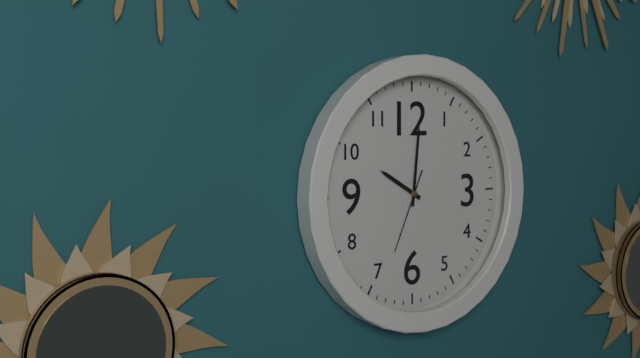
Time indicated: 10:01:34
